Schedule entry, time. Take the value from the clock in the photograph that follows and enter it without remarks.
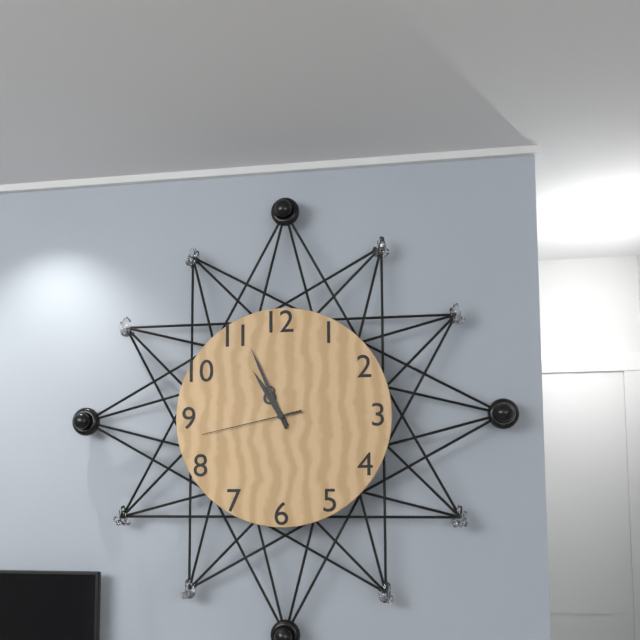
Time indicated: 10:56:43
